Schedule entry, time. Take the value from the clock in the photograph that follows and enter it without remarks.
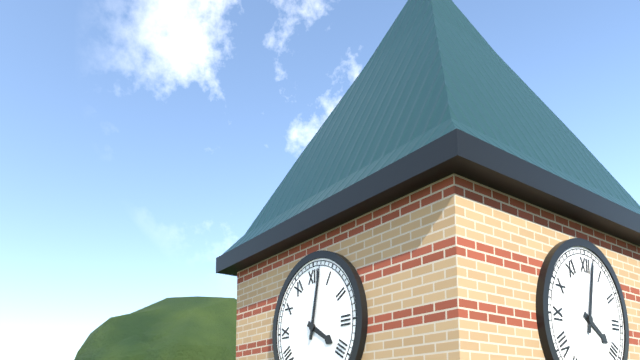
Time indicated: 4:02
